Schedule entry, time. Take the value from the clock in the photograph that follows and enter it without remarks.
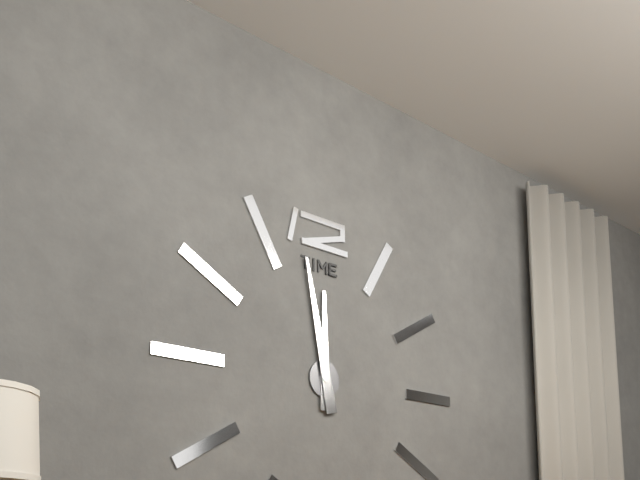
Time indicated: 11:58
